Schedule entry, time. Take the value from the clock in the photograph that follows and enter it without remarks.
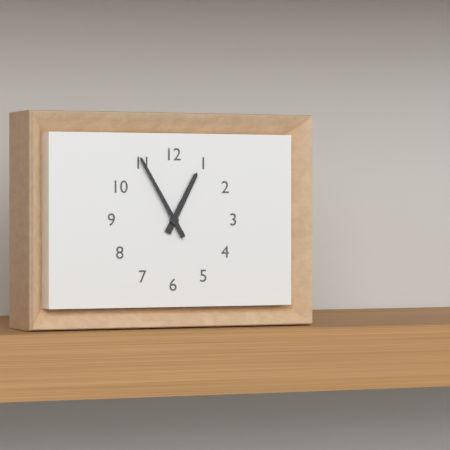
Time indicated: 12:55
